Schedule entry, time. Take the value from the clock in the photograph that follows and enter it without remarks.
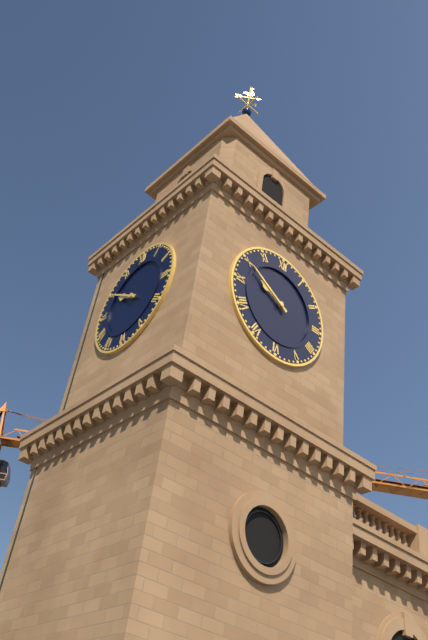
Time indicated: 9:50
